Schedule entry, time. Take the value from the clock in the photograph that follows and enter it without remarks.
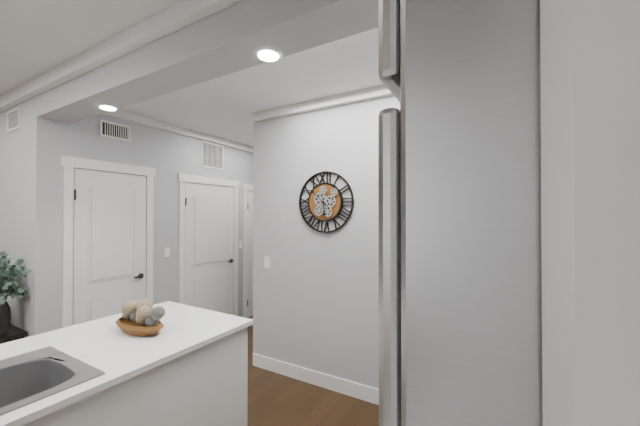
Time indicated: 5:52
